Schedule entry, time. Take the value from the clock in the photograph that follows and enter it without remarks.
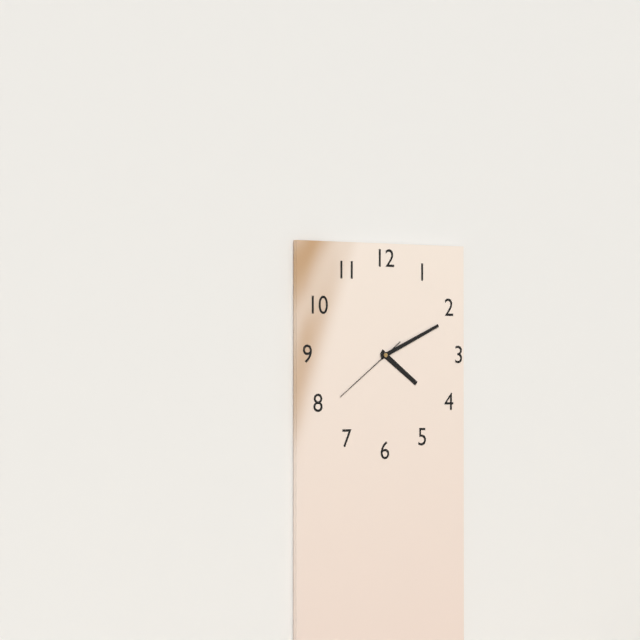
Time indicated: 4:11:39
